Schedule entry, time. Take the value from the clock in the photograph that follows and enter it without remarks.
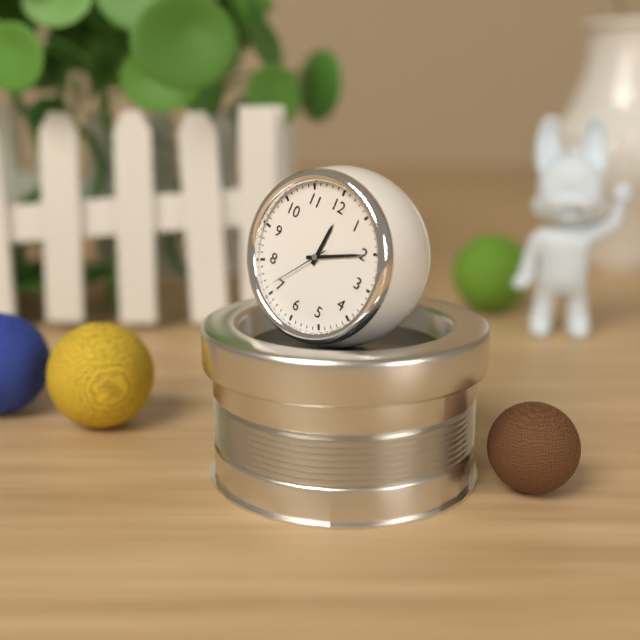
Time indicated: 12:10:36
